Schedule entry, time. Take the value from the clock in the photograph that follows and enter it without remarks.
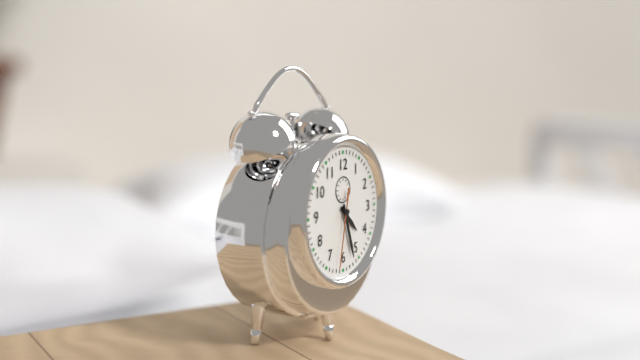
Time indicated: 4:27:32
